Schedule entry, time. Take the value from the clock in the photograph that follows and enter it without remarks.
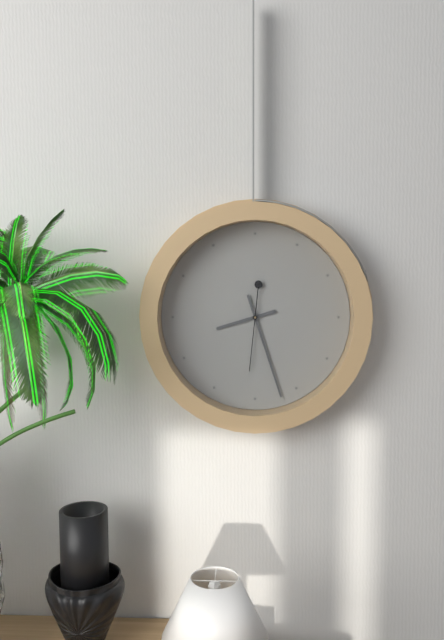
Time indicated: 8:27:31
